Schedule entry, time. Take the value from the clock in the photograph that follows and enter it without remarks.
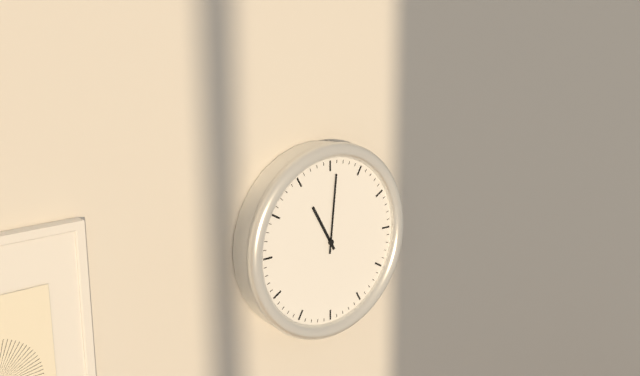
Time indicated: 11:01
